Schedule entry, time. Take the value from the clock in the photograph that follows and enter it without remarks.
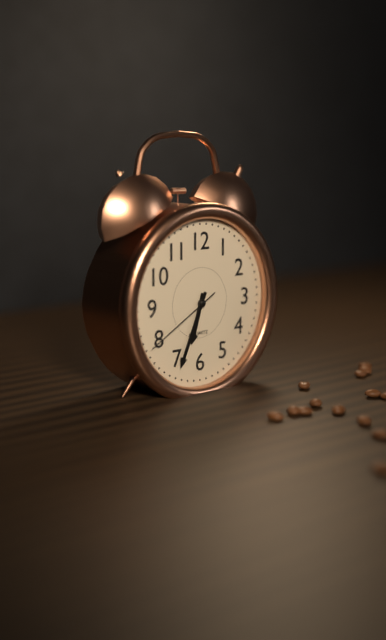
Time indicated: 6:34:40
